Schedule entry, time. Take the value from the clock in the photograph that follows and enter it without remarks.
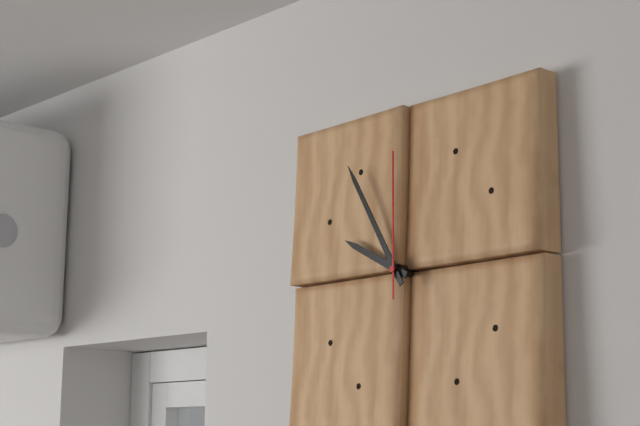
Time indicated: 9:55:00
